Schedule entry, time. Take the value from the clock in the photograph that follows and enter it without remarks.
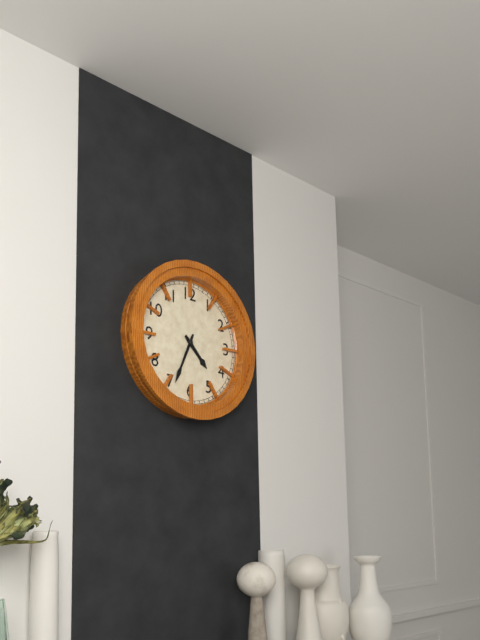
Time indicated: 4:34
